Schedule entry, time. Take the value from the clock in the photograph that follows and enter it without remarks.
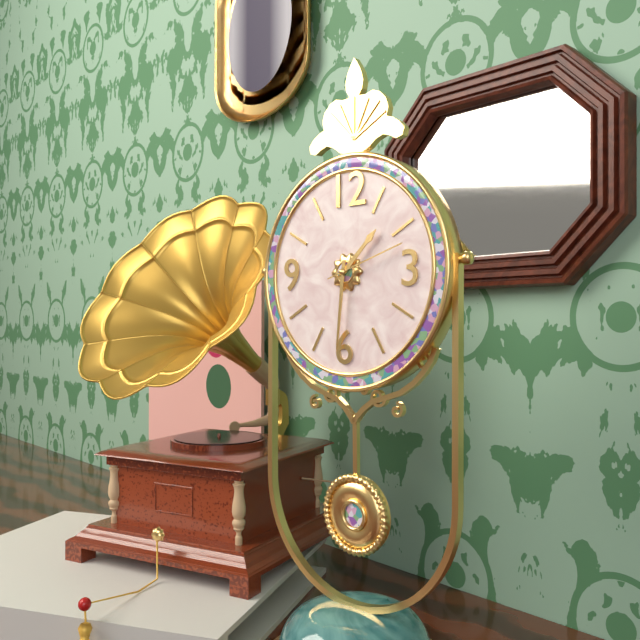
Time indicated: 1:31:12
